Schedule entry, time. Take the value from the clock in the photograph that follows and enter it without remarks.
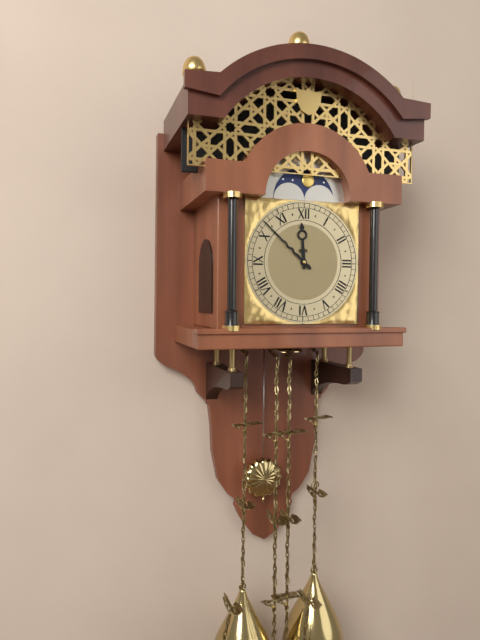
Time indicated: 11:52
